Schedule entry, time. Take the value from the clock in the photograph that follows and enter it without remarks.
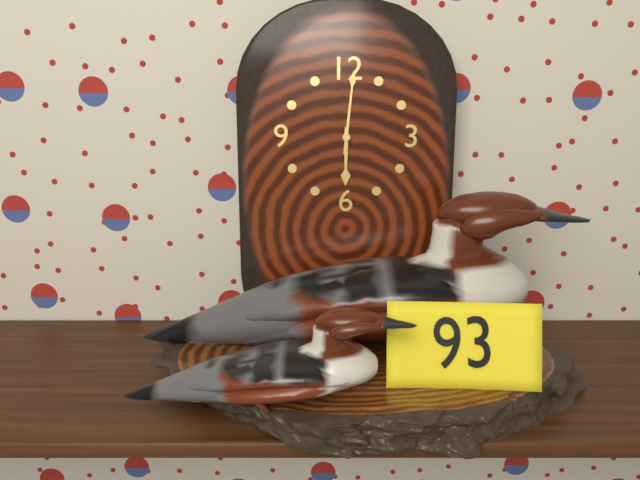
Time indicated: 6:01
